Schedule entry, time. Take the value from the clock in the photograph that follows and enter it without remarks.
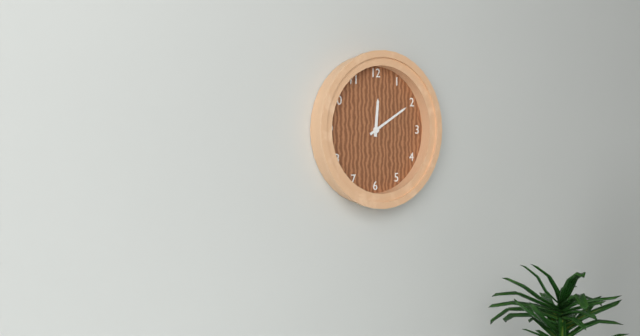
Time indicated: 12:10
